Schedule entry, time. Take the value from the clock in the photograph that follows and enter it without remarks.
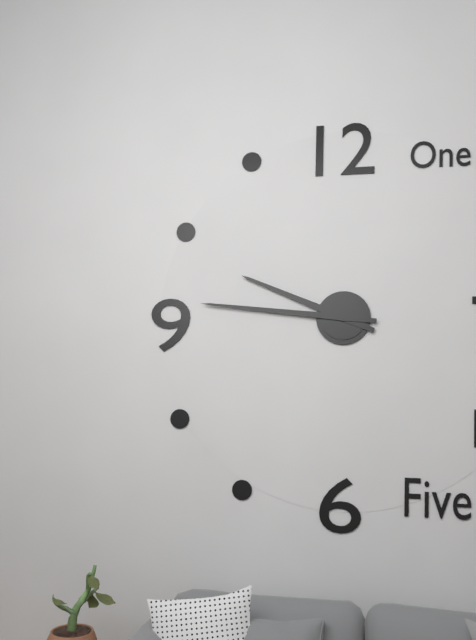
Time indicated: 9:46
